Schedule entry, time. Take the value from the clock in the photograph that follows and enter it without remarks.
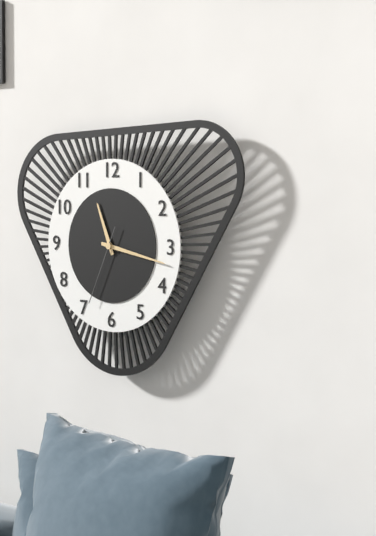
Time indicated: 11:17:34
